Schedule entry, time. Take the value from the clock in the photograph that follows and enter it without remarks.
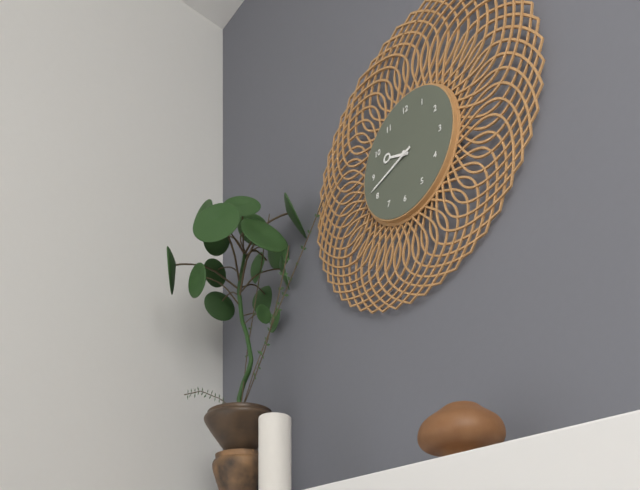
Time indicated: 9:42
